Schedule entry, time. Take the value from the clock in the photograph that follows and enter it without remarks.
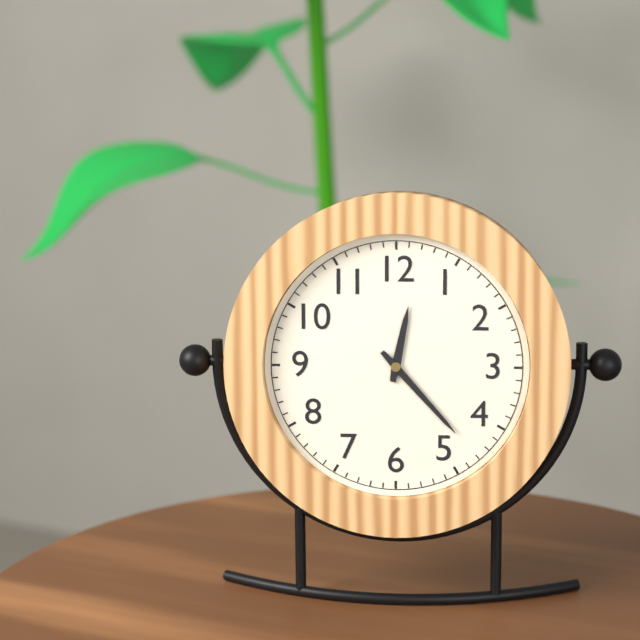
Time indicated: 12:23
